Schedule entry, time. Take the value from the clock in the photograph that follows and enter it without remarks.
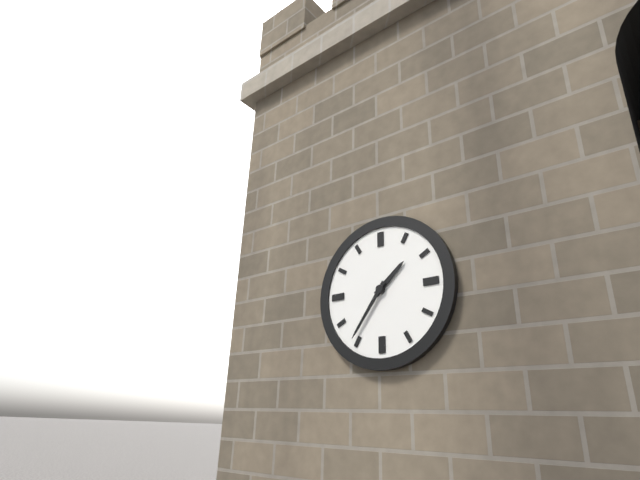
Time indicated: 1:36
